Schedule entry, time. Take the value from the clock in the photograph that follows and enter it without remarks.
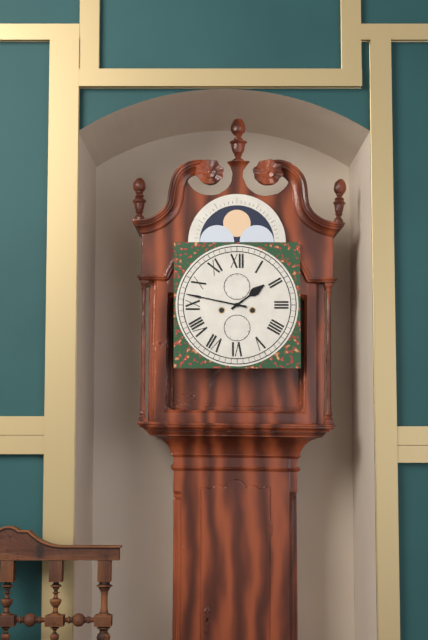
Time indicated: 1:47
